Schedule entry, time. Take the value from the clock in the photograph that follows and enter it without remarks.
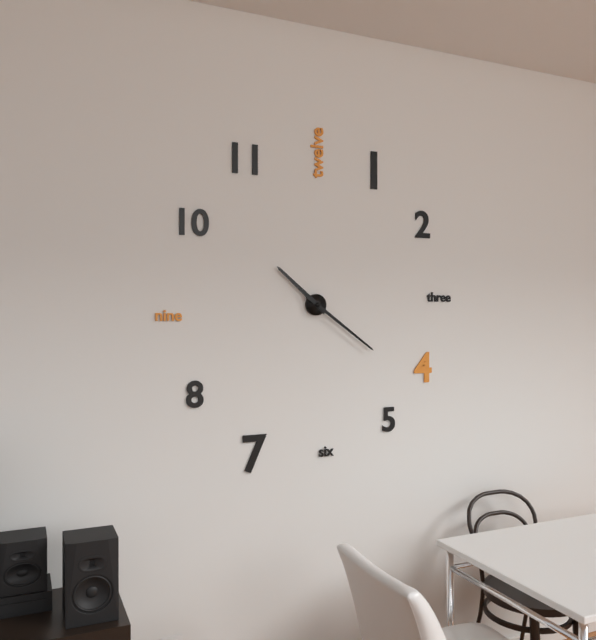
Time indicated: 10:21
